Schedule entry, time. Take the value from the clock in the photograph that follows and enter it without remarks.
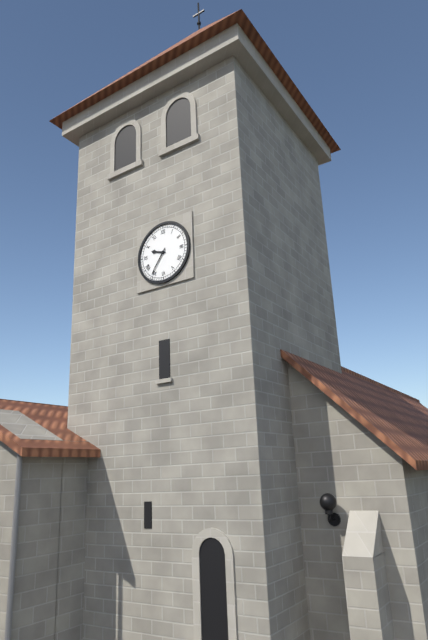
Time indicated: 9:36
